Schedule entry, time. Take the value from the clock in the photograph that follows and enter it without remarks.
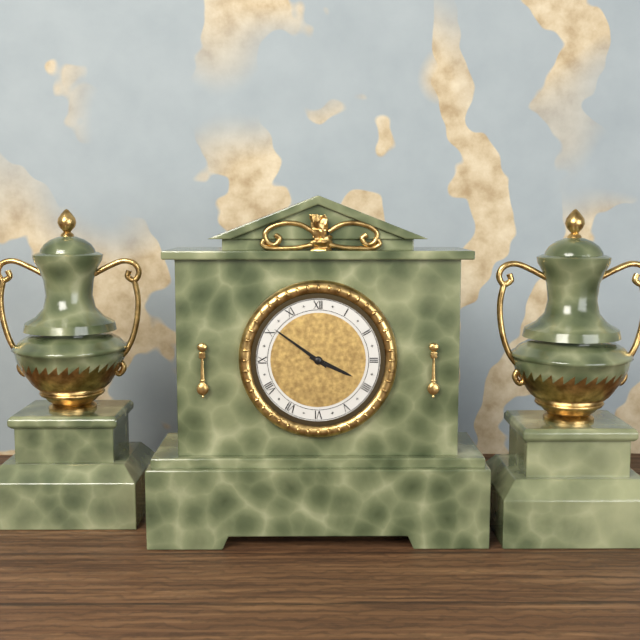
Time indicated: 3:51
